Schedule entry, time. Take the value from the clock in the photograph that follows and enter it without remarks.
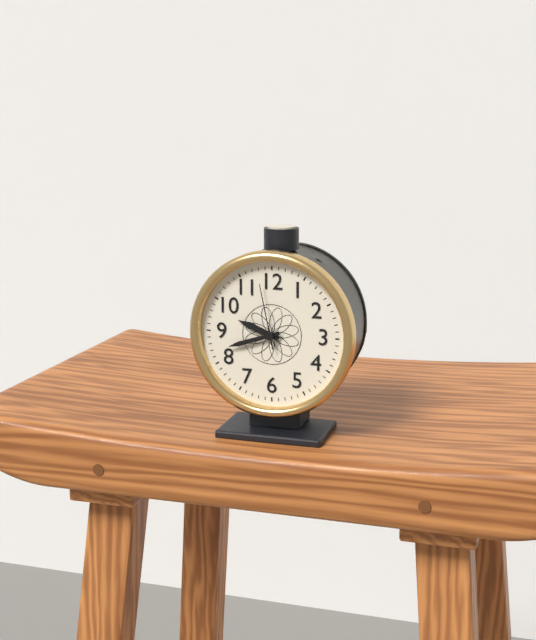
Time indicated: 9:42:58
